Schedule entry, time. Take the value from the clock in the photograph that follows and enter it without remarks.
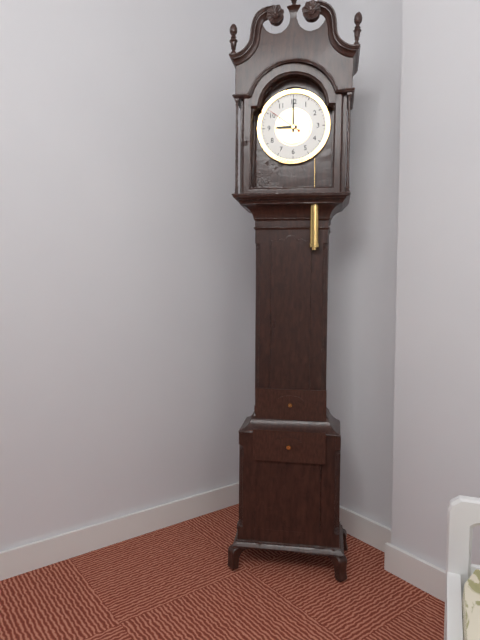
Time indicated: 9:00
